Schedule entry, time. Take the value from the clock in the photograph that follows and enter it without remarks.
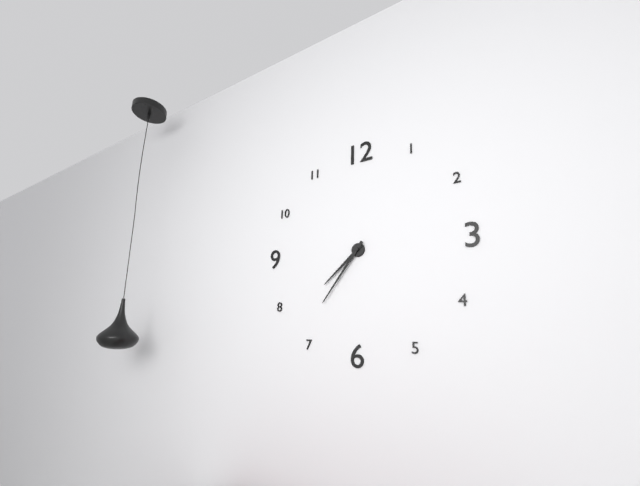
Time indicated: 7:36
